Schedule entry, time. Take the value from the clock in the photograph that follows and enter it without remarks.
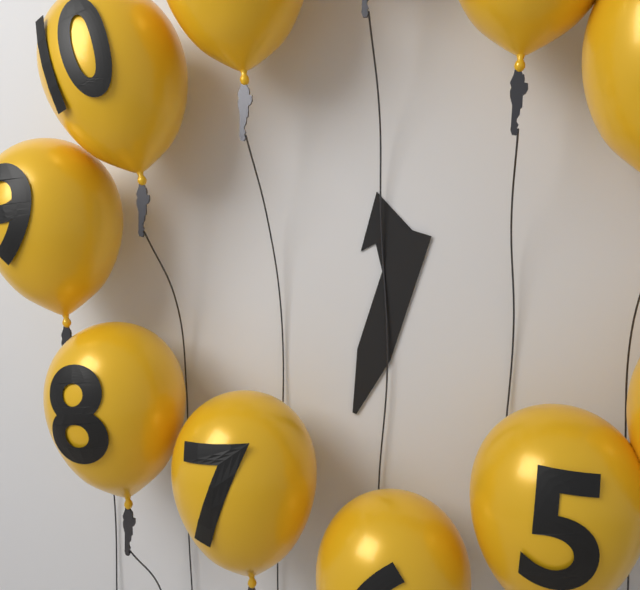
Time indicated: 11:33
